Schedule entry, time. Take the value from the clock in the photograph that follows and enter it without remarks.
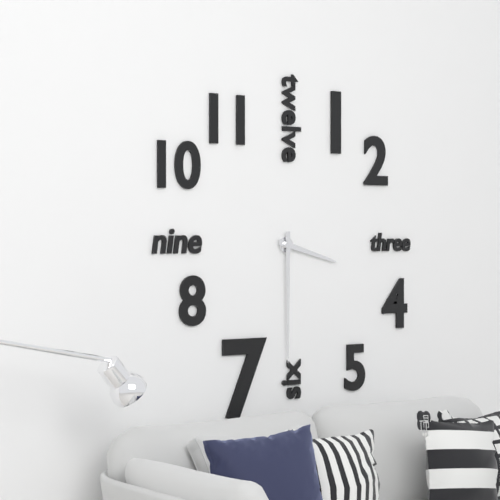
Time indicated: 3:30
